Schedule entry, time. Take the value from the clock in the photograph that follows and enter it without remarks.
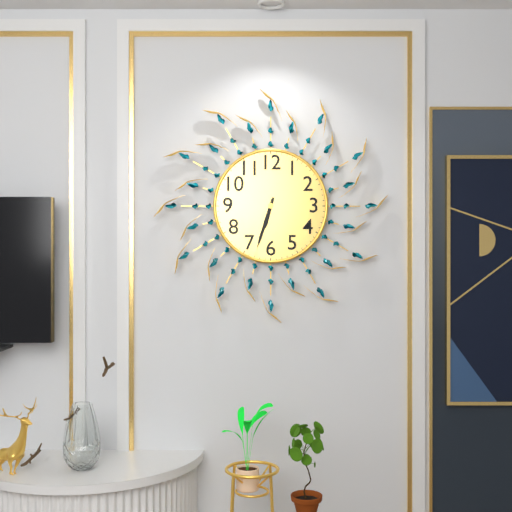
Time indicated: 6:33
